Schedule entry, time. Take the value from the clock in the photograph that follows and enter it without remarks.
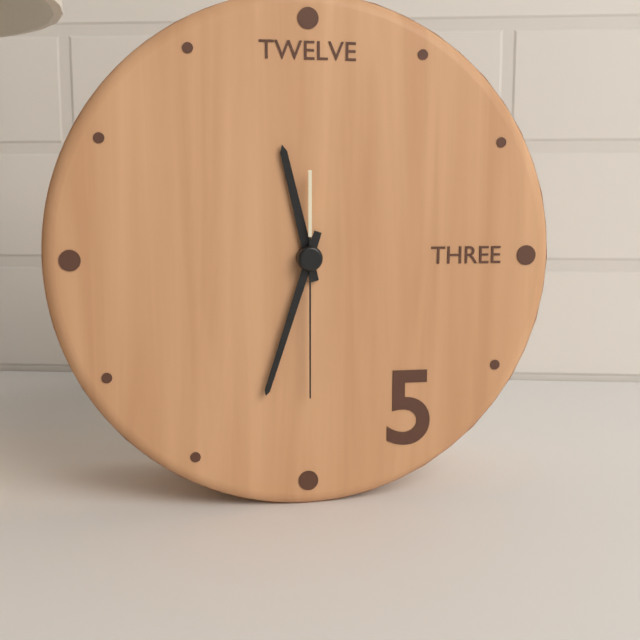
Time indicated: 11:33:30
